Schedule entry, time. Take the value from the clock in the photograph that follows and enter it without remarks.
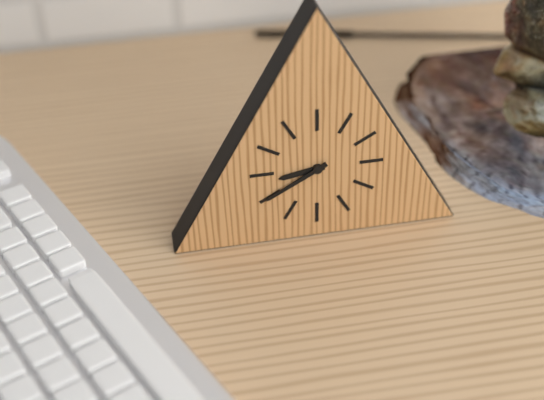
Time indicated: 8:40
